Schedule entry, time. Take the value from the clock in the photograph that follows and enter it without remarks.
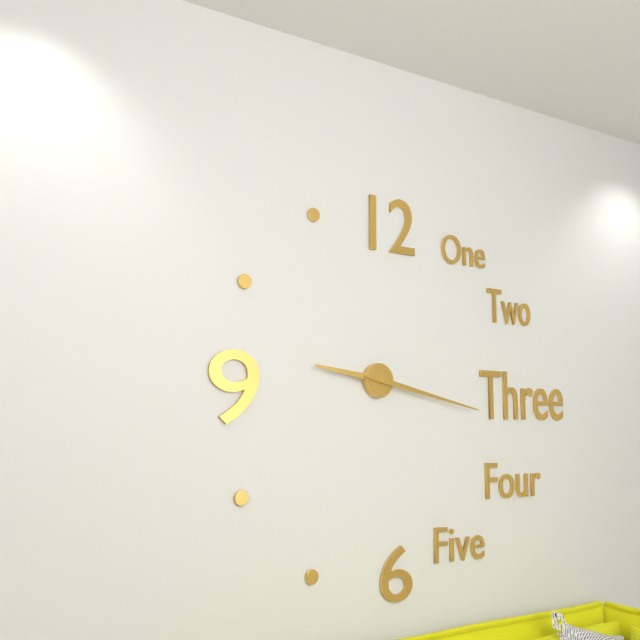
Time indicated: 9:17
